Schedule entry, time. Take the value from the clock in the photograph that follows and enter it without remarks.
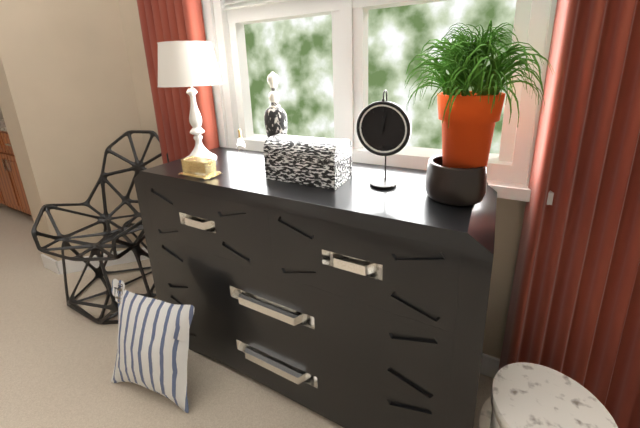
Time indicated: 12:02
